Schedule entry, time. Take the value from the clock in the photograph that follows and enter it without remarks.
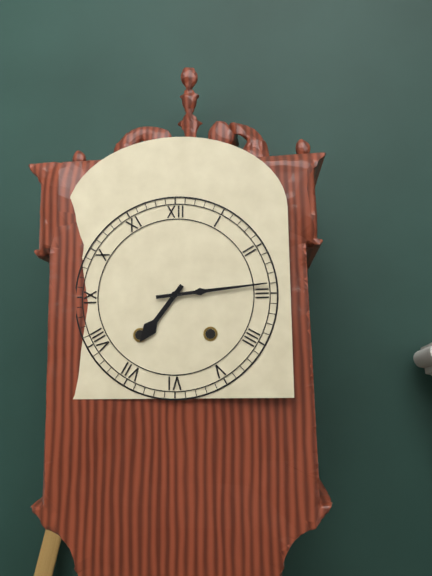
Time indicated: 7:14
